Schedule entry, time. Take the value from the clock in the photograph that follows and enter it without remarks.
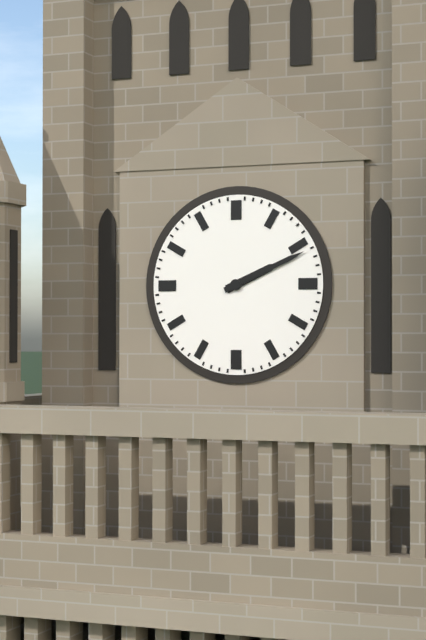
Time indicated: 2:11
